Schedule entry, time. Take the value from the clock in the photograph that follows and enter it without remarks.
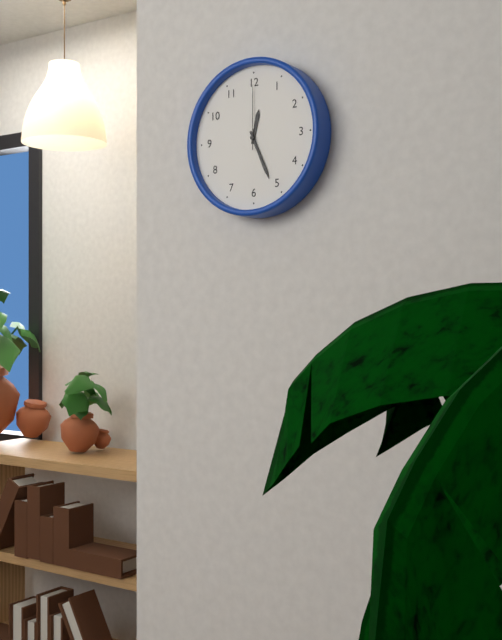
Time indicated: 12:26:00
